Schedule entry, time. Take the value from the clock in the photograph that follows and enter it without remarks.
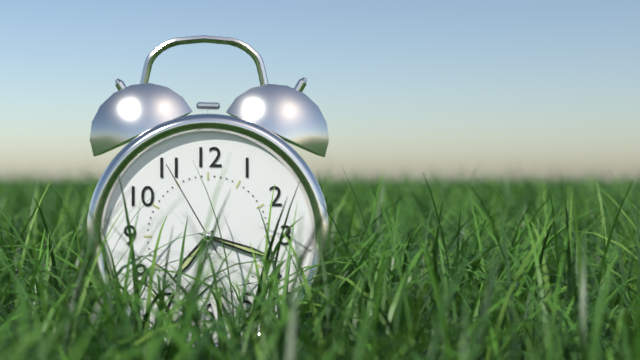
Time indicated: 7:18:55
